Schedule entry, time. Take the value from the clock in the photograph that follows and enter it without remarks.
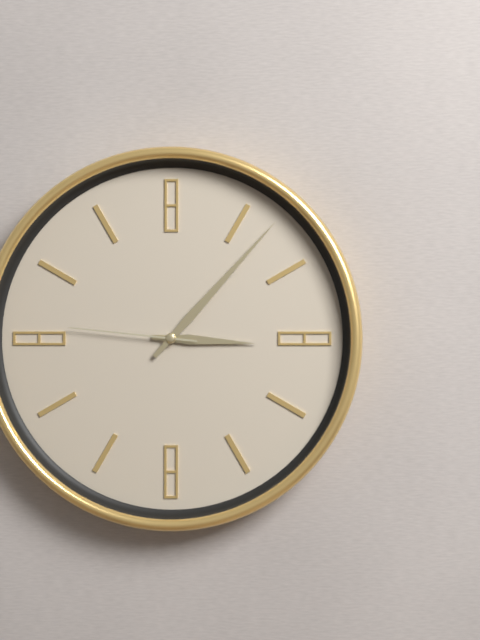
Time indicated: 3:07:46
